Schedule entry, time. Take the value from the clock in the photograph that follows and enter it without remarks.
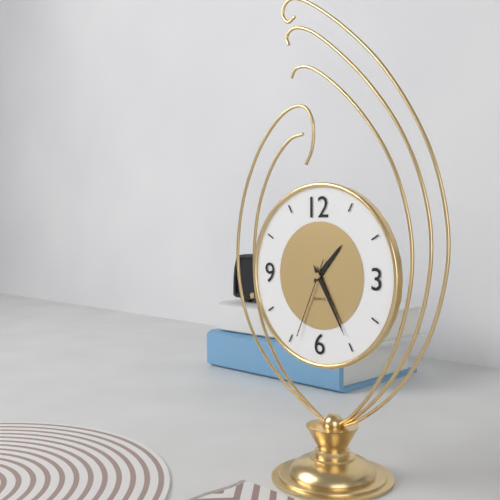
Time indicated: 1:25:34
